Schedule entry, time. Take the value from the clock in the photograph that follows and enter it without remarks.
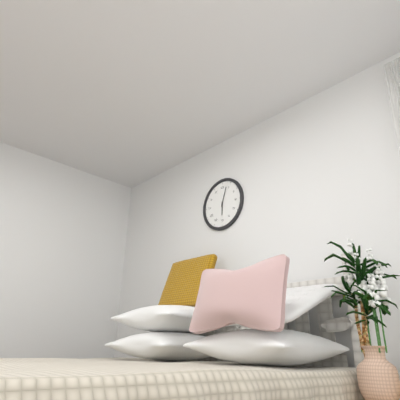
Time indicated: 6:03
